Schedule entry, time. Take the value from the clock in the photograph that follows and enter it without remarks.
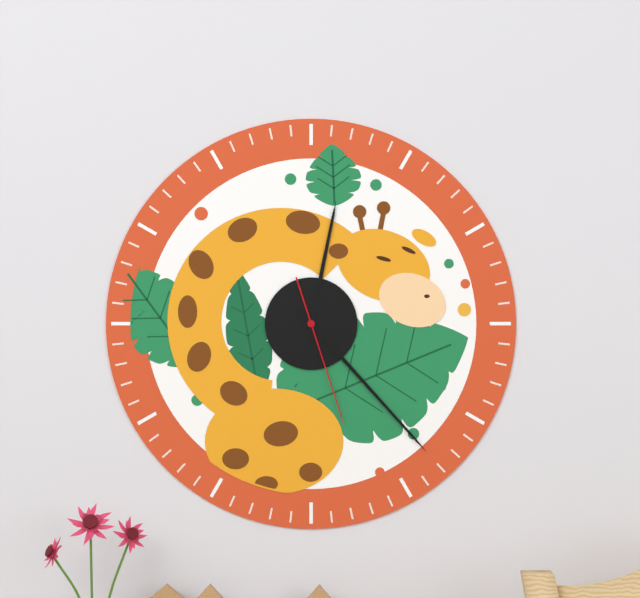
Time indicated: 12:23:27
